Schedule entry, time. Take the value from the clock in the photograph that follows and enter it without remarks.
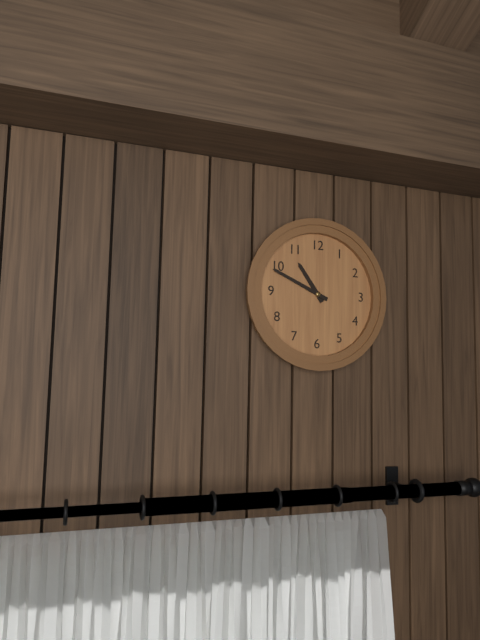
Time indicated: 10:49
